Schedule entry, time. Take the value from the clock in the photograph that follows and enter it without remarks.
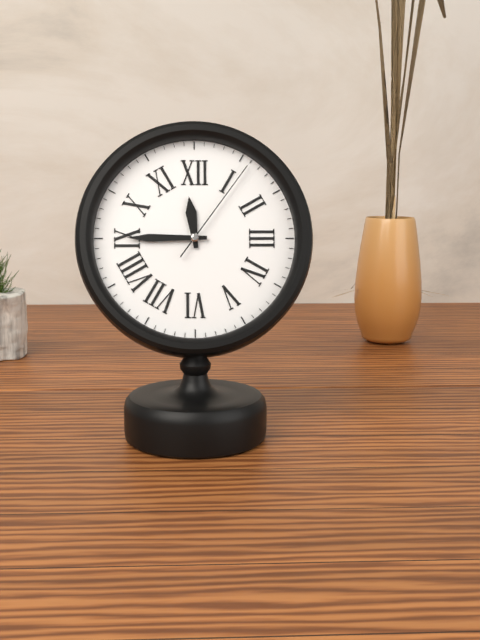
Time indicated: 11:45:06
